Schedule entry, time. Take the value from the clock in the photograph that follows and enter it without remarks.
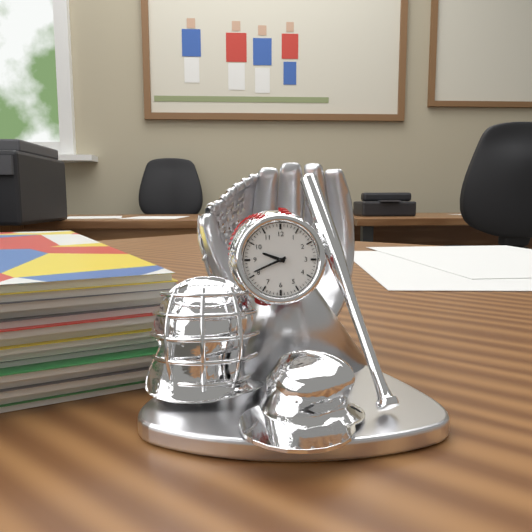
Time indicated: 9:41
